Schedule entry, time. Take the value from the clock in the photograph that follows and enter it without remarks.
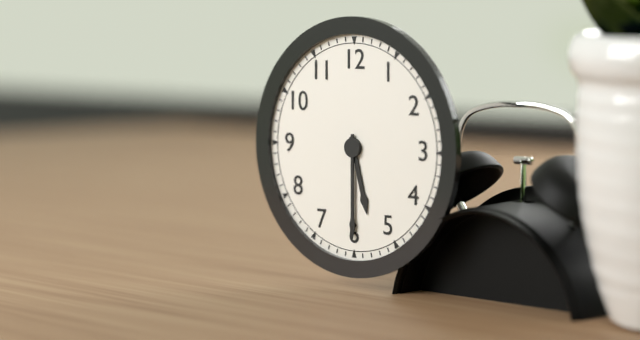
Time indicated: 5:30
